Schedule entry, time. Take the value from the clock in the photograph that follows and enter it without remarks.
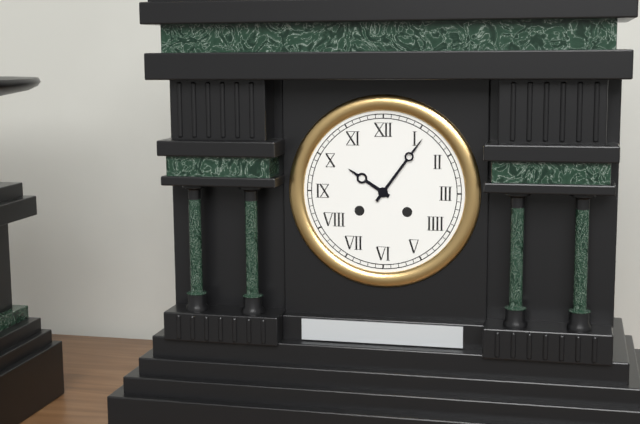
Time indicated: 10:06
